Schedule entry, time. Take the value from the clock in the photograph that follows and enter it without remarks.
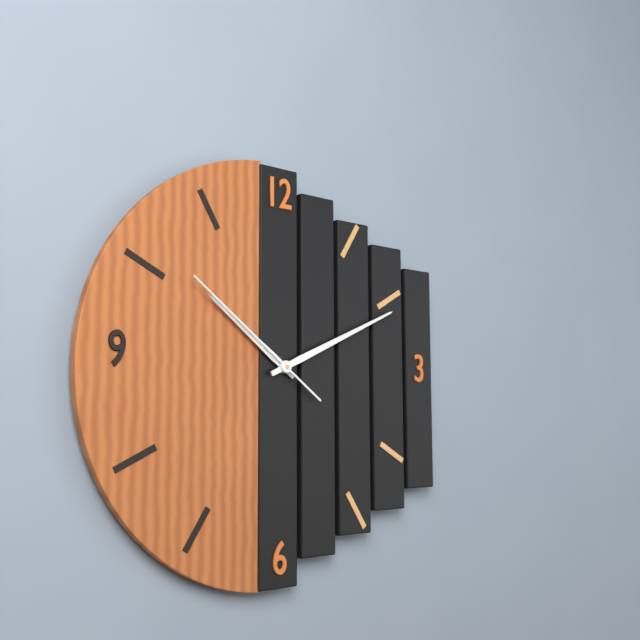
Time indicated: 10:11:51
